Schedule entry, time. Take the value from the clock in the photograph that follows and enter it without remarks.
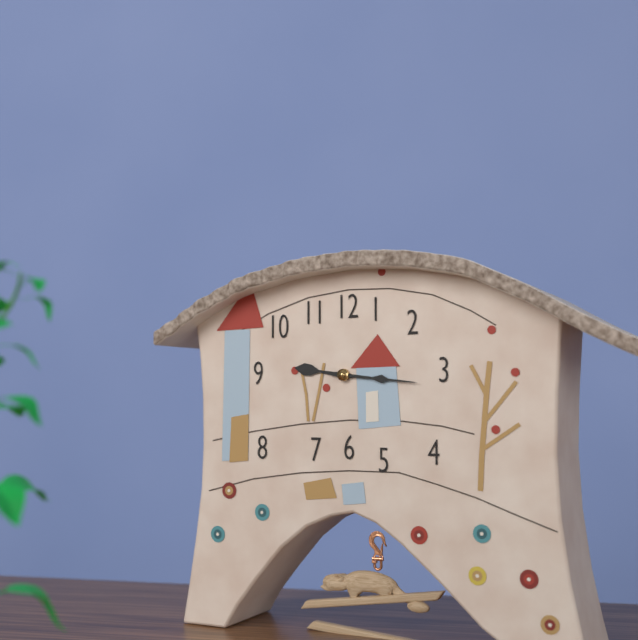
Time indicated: 9:16
